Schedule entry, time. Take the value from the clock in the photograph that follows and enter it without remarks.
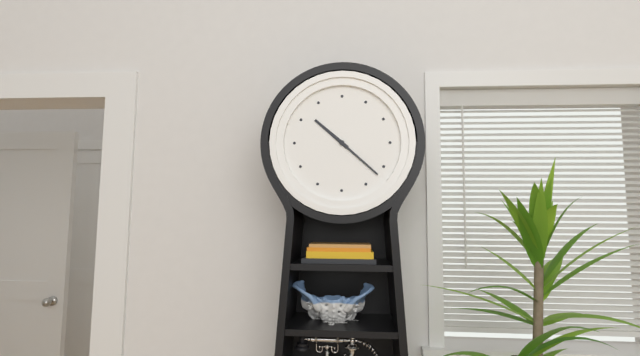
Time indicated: 10:22
